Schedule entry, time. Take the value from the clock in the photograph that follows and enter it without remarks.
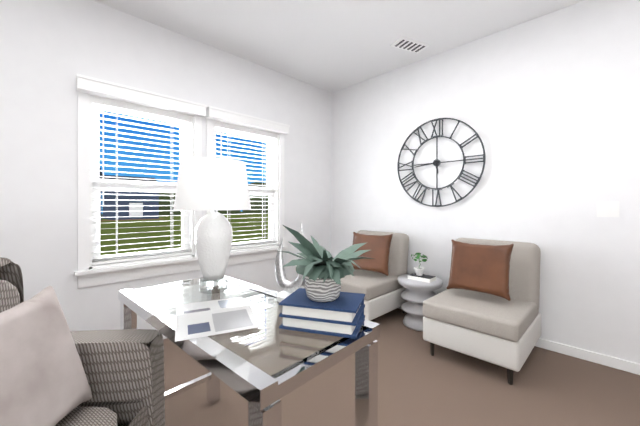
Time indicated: 5:44
